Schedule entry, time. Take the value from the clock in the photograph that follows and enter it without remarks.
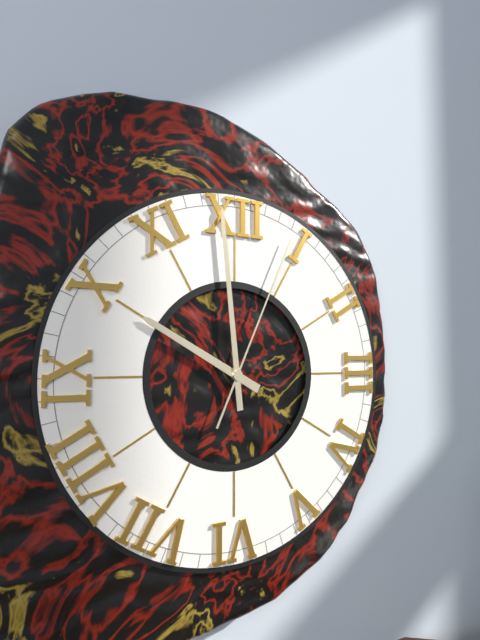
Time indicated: 9:59:04
